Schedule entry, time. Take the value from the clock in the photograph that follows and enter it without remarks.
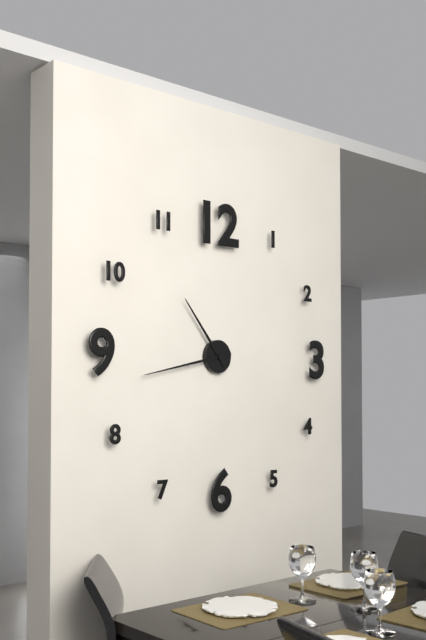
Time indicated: 10:43
